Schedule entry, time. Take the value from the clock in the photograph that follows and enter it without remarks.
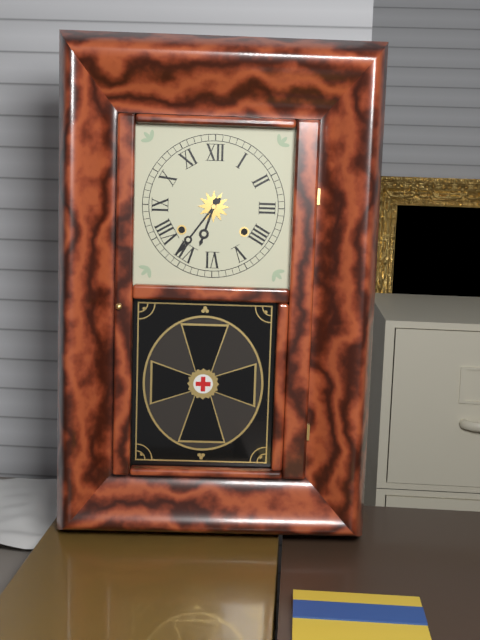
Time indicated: 6:36
